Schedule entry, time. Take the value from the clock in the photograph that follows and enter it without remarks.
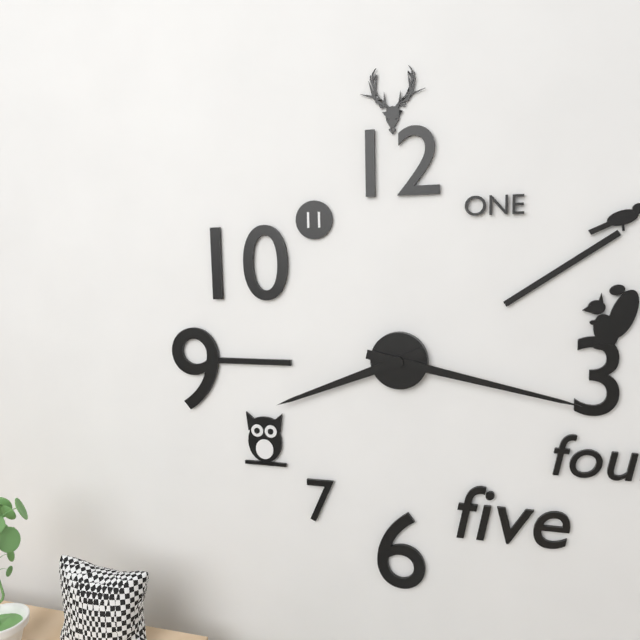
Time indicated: 8:17
